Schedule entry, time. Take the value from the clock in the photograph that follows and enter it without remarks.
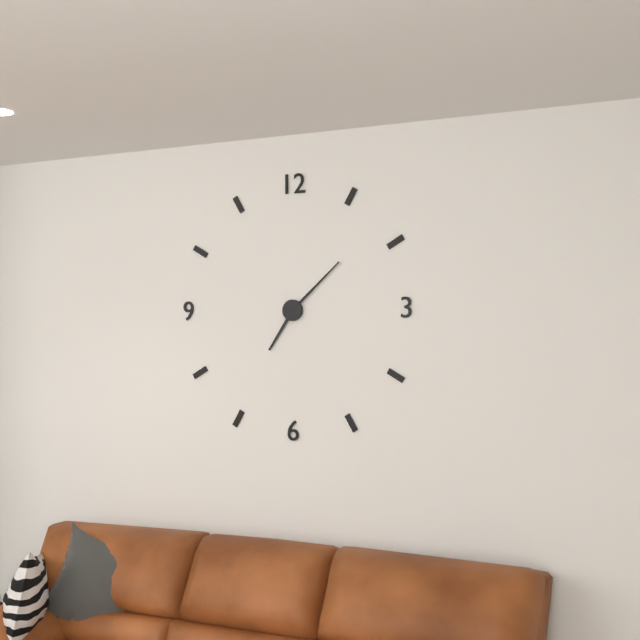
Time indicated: 7:08
